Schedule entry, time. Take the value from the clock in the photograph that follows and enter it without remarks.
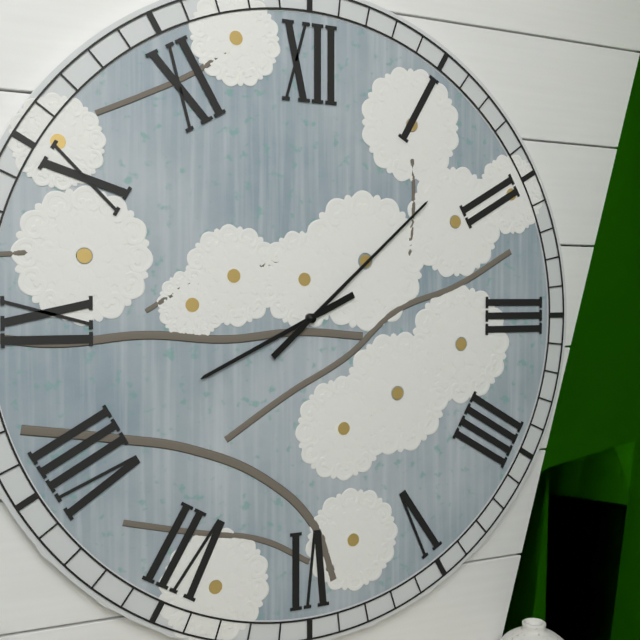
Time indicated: 8:08
